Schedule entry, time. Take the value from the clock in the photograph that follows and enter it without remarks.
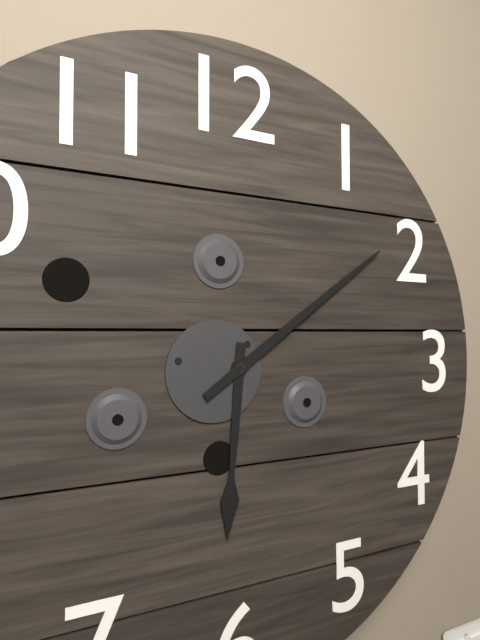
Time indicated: 6:09
